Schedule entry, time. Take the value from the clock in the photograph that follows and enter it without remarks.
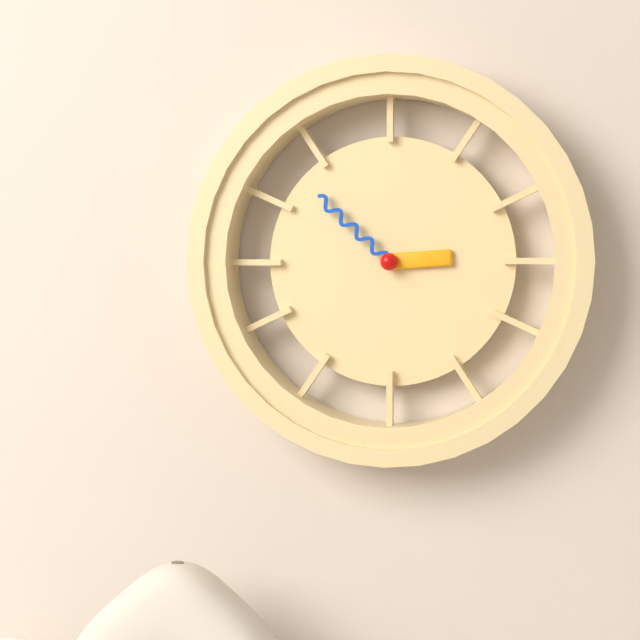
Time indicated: 2:52
